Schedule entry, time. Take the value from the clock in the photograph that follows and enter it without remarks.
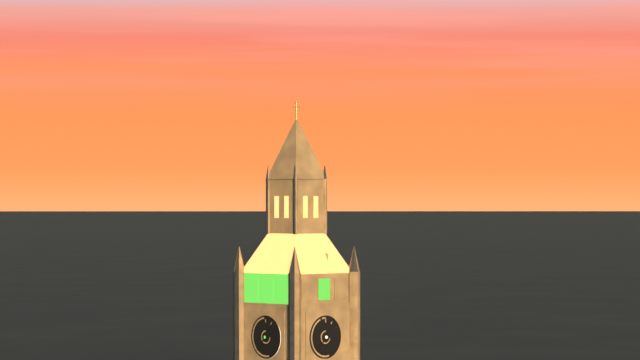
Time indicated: 1:37
